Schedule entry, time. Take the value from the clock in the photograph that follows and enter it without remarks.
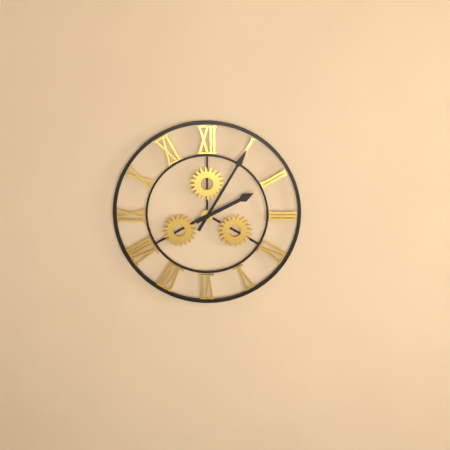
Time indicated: 2:05
